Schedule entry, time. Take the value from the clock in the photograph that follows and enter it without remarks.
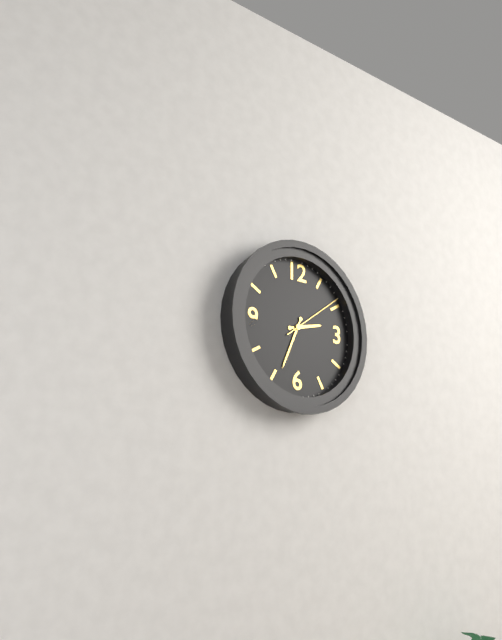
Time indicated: 2:34:09
